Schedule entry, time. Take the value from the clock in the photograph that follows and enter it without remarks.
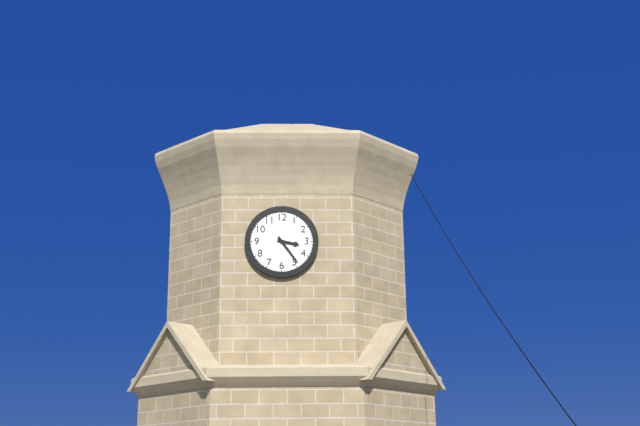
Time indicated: 3:24
